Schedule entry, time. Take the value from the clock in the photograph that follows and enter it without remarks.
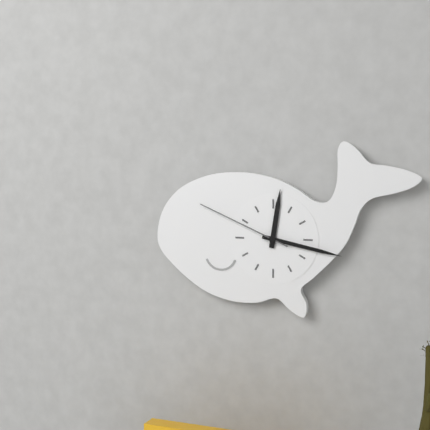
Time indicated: 12:17:49
